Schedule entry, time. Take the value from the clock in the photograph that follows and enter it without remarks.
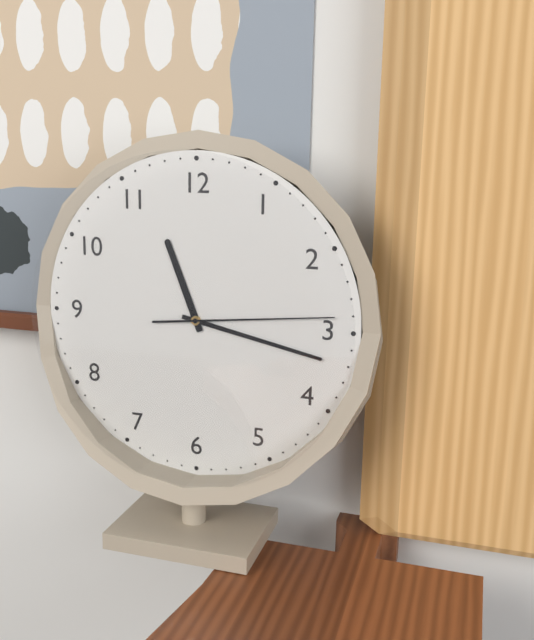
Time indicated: 11:17:14
